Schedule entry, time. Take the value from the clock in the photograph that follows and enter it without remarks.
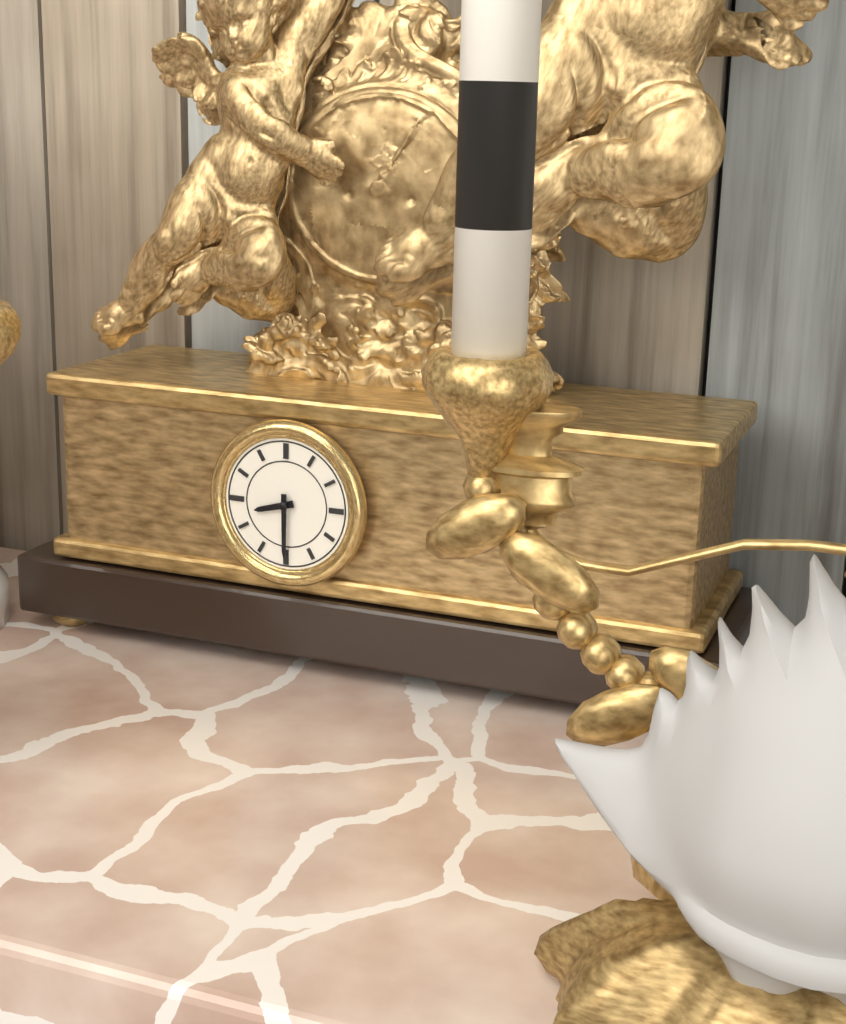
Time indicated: 8:30
